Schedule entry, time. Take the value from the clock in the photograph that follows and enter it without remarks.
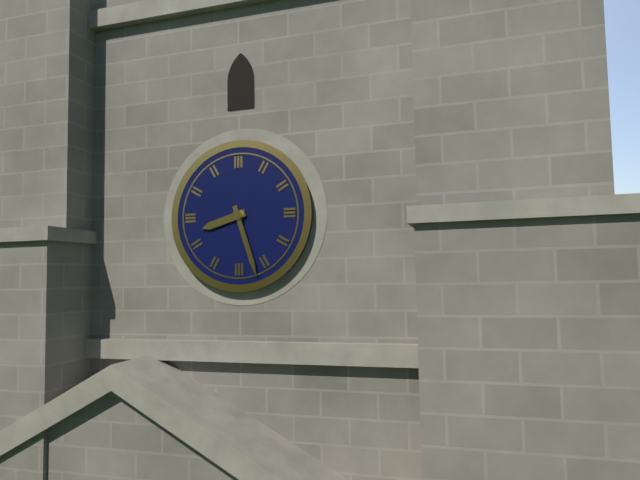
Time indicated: 8:27
